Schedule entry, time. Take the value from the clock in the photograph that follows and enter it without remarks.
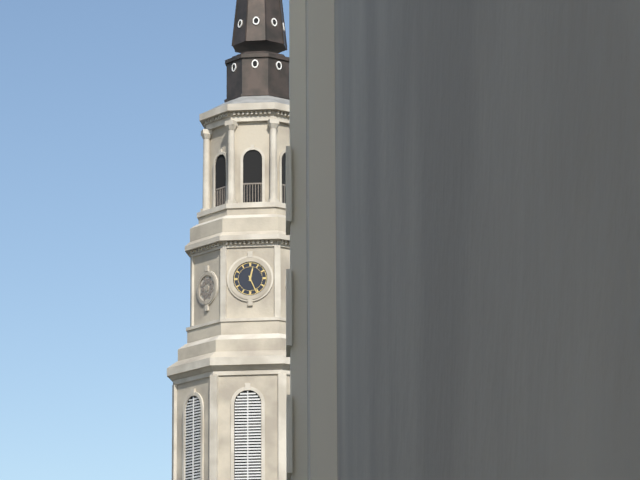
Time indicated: 12:26
